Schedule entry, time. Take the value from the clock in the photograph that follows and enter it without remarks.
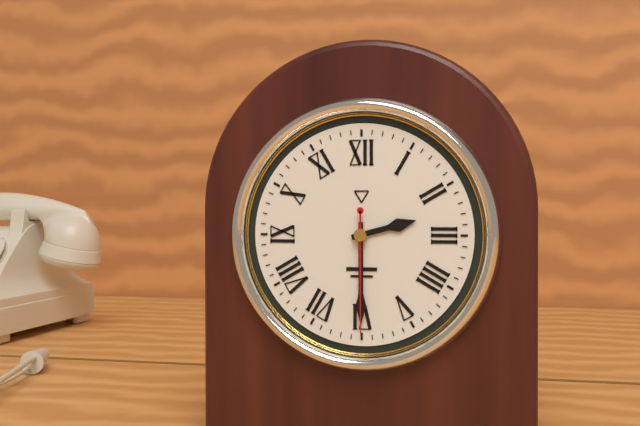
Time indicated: 2:30:30
